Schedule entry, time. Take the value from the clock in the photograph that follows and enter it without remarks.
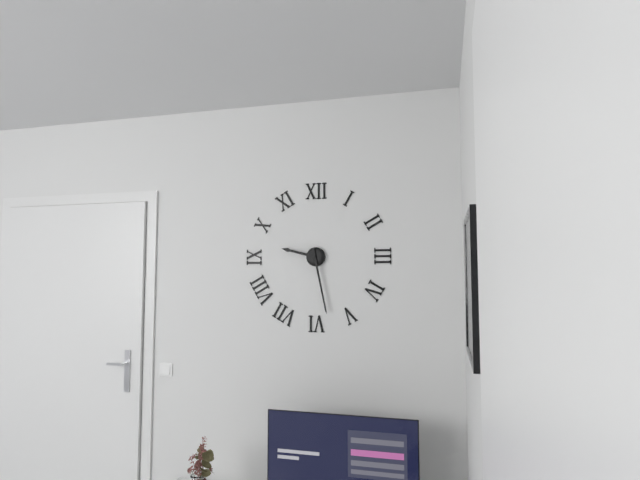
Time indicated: 9:28
